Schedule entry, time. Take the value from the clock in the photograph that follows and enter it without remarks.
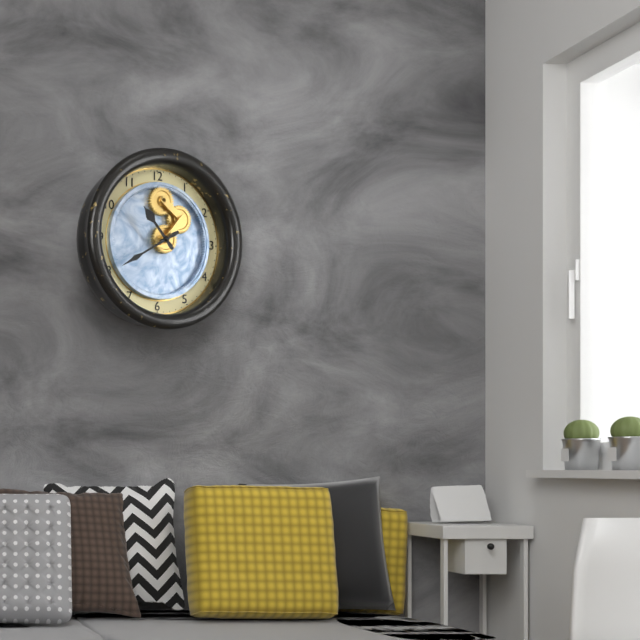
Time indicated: 10:40
